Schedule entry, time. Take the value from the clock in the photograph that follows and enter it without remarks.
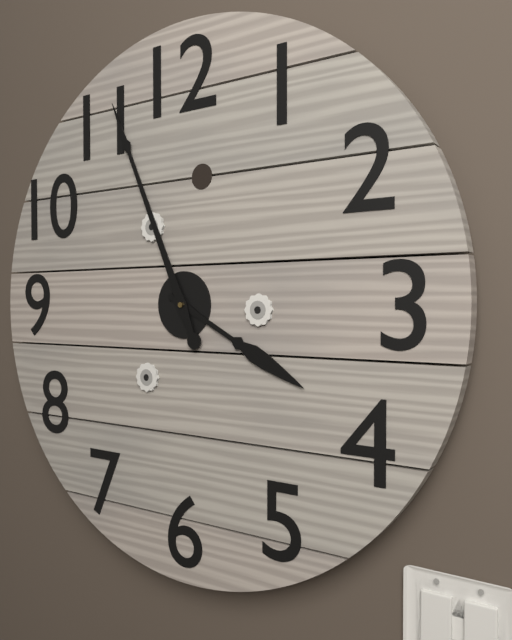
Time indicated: 3:56
